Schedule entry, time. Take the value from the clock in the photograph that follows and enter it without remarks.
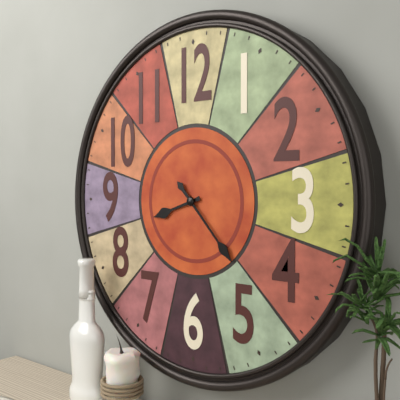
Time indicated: 8:23
